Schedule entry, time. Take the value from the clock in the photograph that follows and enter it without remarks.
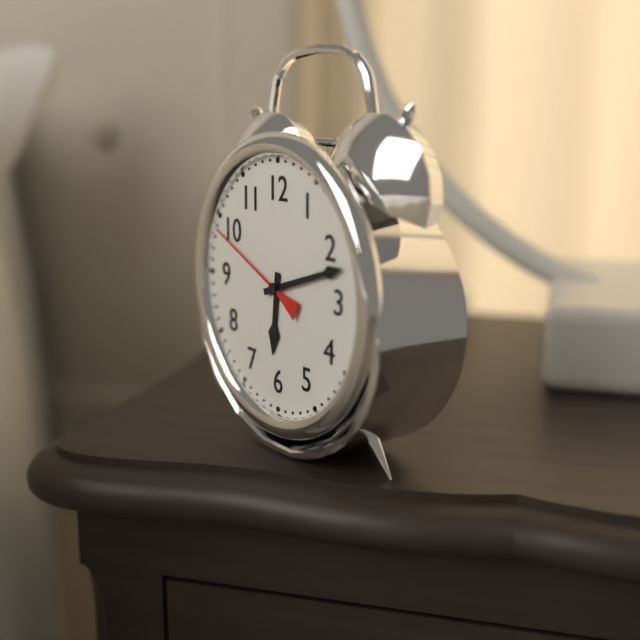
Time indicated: 6:12:49
